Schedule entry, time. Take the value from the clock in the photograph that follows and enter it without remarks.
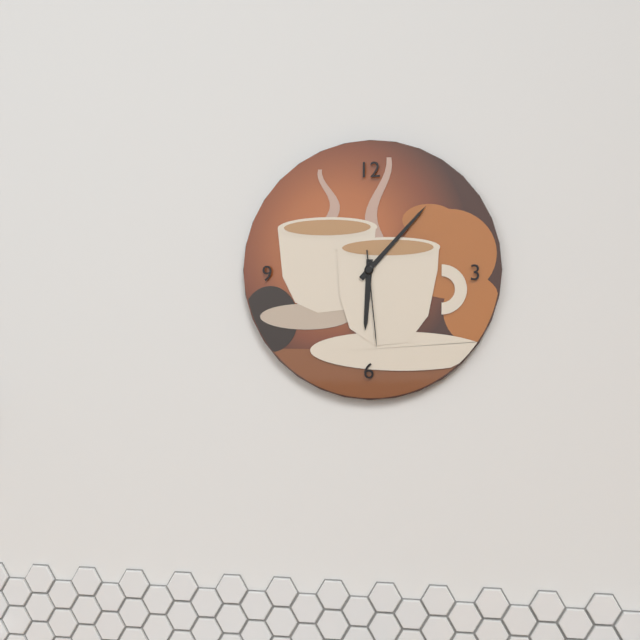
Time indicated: 6:07:29
